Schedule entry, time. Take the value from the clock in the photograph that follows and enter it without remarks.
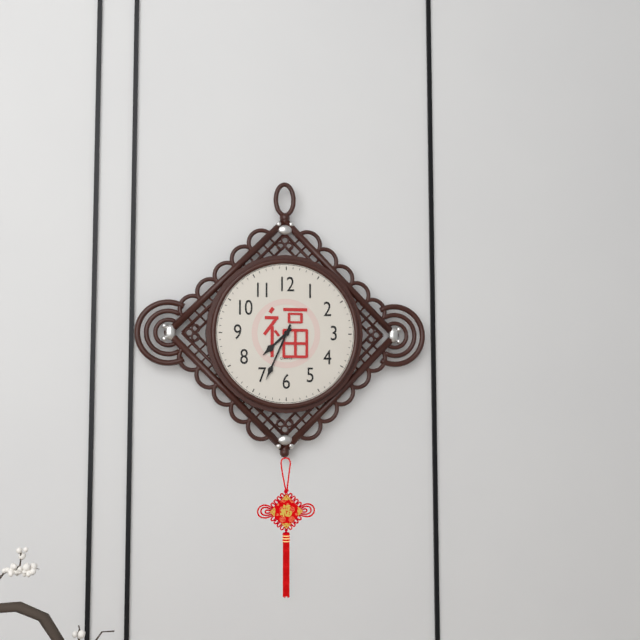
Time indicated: 7:34
